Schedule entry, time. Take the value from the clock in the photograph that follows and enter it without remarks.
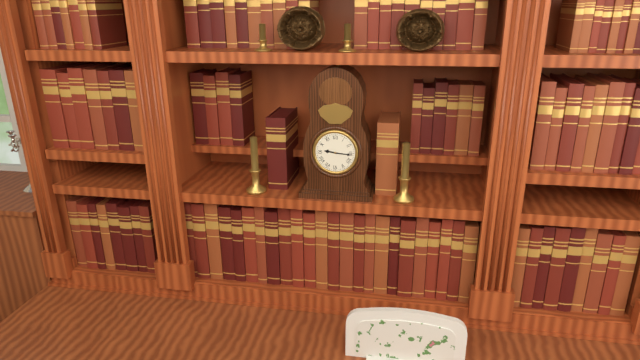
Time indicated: 9:16
